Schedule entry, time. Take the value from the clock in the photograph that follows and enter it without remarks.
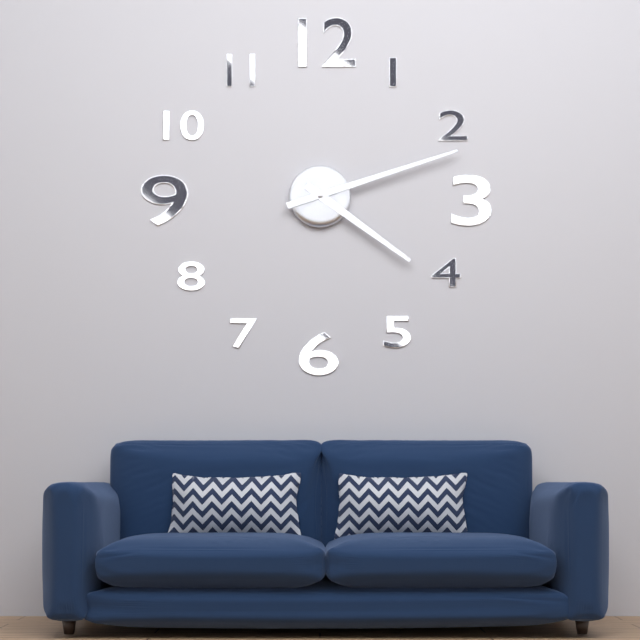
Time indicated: 4:12
